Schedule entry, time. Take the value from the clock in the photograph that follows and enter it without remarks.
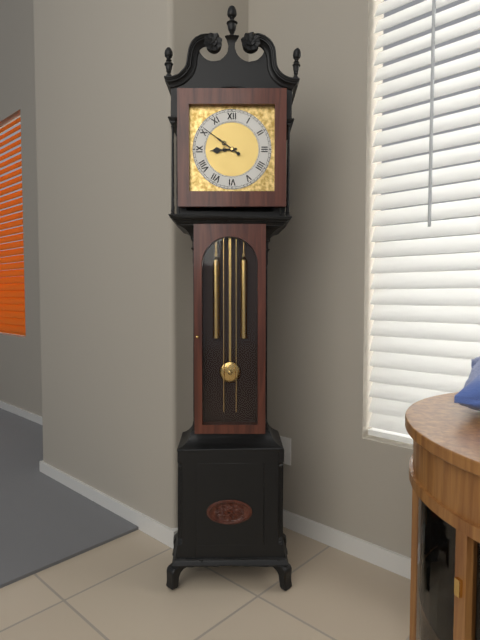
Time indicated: 8:51
